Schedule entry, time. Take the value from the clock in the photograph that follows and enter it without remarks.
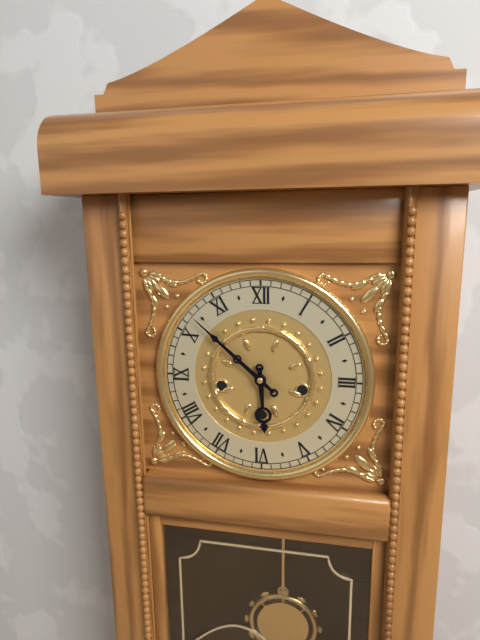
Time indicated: 5:52
